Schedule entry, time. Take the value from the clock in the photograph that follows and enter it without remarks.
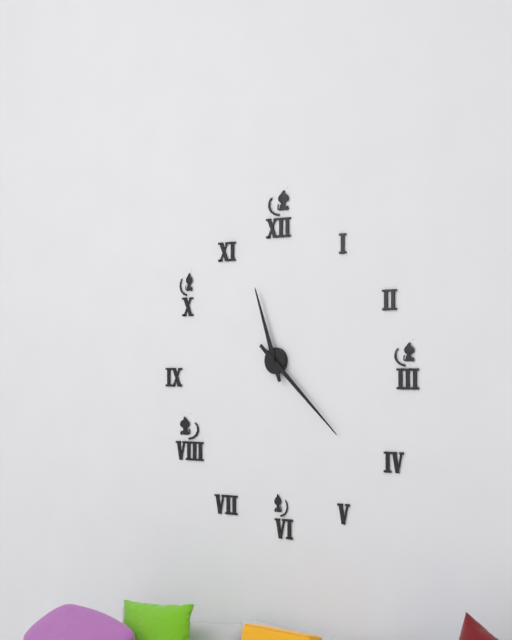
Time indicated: 11:22
